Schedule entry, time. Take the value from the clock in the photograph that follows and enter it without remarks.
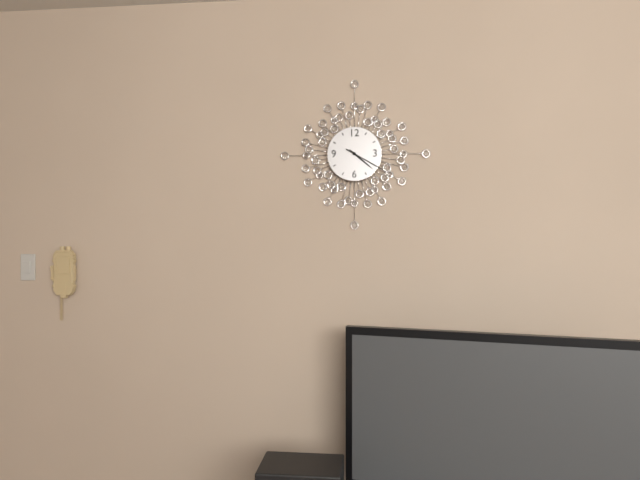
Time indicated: 4:20
